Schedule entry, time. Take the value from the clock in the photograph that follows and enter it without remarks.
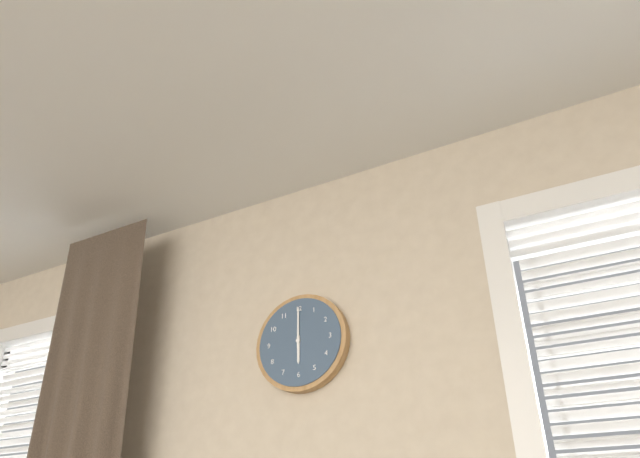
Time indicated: 6:00
